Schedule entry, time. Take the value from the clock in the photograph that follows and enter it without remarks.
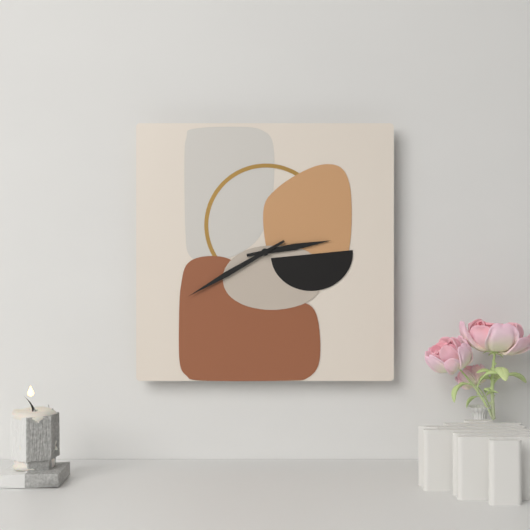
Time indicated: 2:40
